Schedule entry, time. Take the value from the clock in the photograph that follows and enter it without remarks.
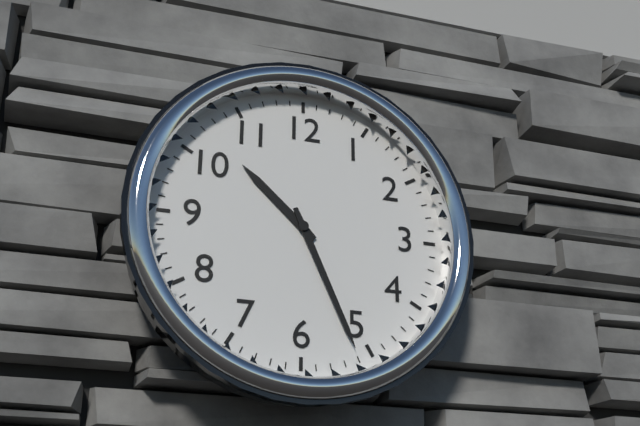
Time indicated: 10:26
